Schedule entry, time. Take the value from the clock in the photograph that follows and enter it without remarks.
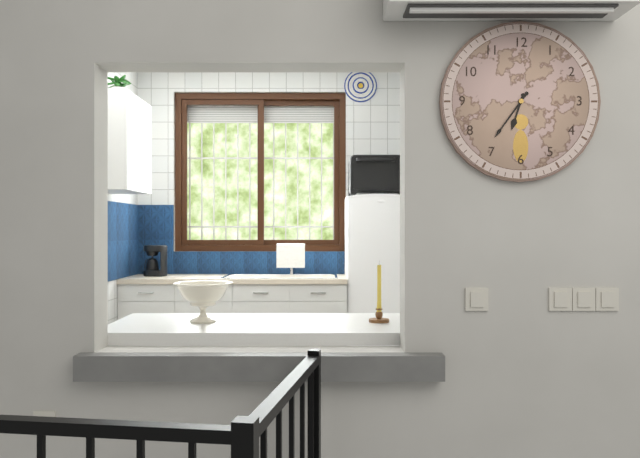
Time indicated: 6:36
